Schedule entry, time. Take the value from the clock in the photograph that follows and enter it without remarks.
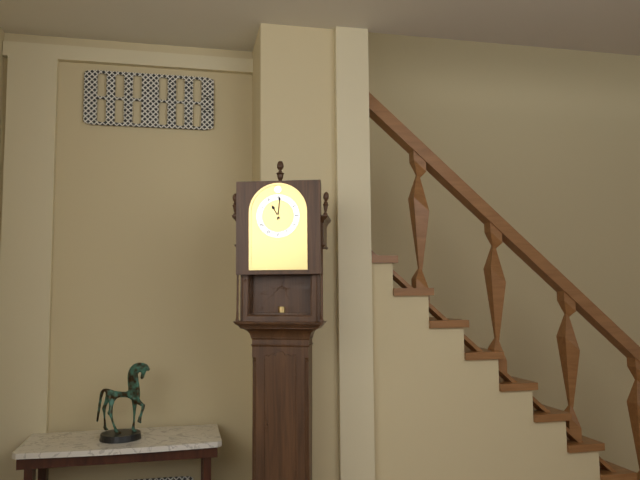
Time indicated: 11:01
